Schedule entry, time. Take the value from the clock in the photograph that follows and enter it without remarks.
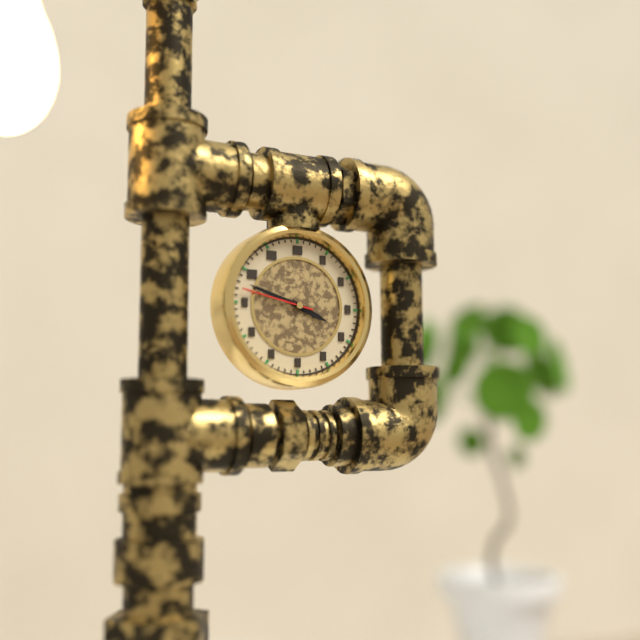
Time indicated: 3:48:47
